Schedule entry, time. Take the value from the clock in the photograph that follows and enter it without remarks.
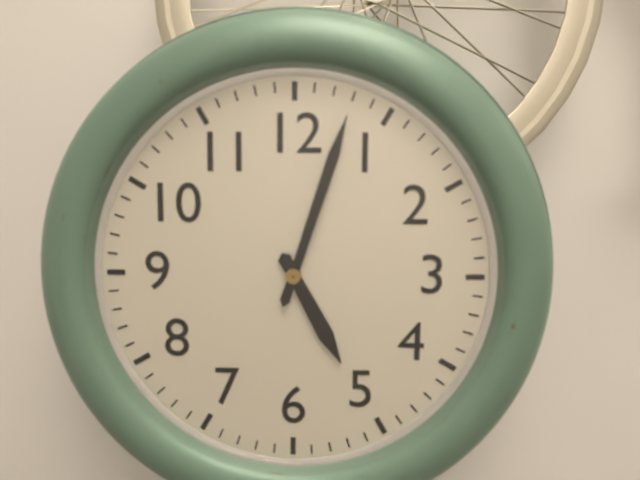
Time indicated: 5:03
